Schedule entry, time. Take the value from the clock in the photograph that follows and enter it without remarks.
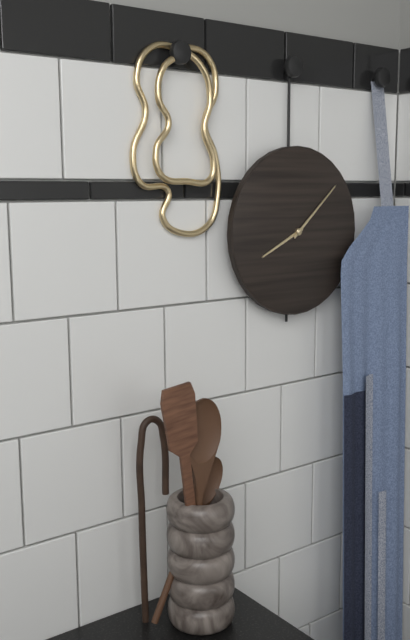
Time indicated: 8:08
